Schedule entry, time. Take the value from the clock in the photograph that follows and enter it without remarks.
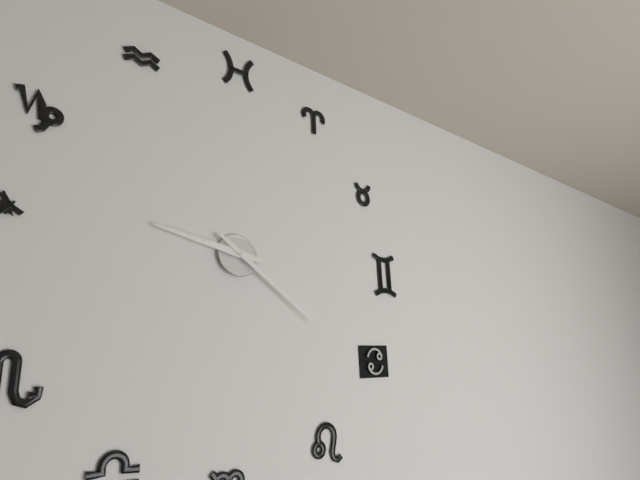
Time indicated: 9:21
